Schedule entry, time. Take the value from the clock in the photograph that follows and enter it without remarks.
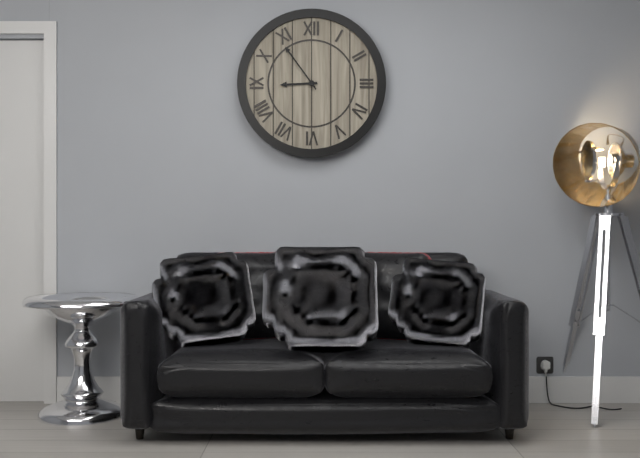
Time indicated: 8:54
